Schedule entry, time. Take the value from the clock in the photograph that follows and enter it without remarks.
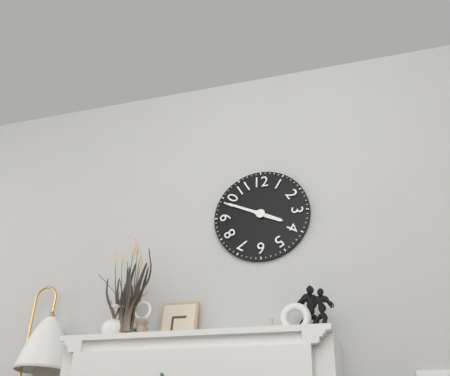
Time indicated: 3:49
